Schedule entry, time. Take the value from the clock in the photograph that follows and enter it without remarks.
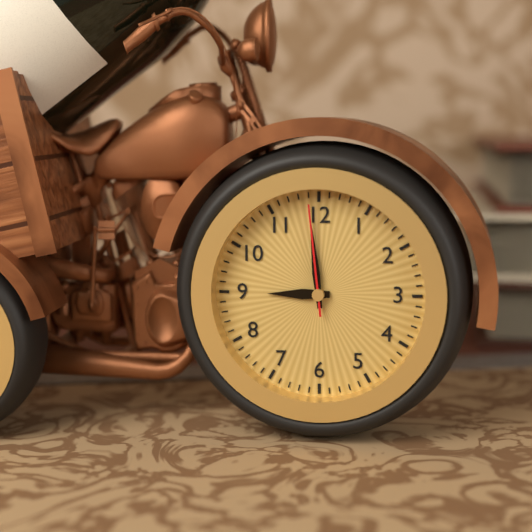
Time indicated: 8:59:59
